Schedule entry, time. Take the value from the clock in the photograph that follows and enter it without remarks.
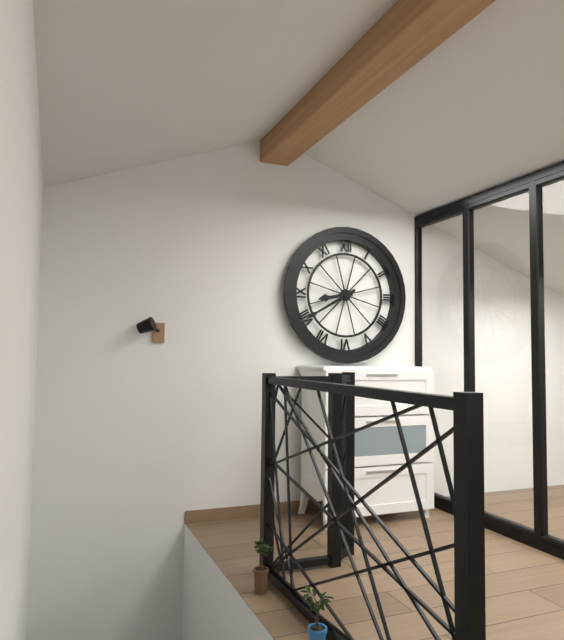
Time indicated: 8:40
